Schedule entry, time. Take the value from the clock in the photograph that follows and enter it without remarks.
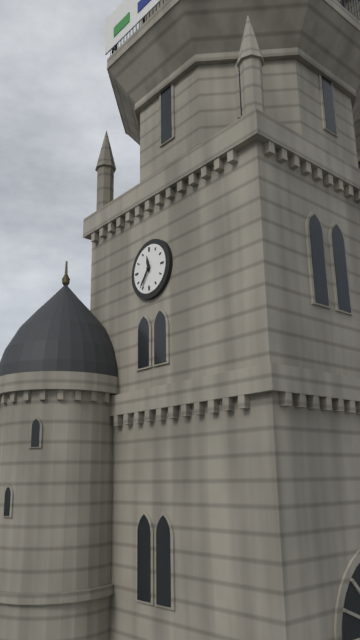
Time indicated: 11:36
